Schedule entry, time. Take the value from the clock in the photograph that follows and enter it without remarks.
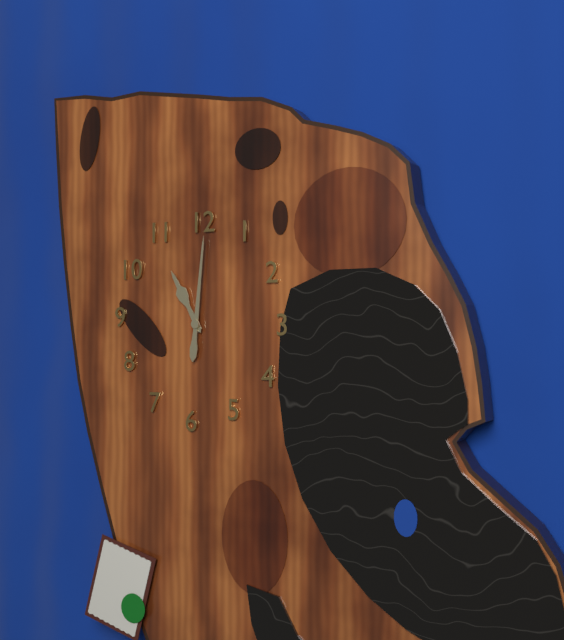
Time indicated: 11:01
